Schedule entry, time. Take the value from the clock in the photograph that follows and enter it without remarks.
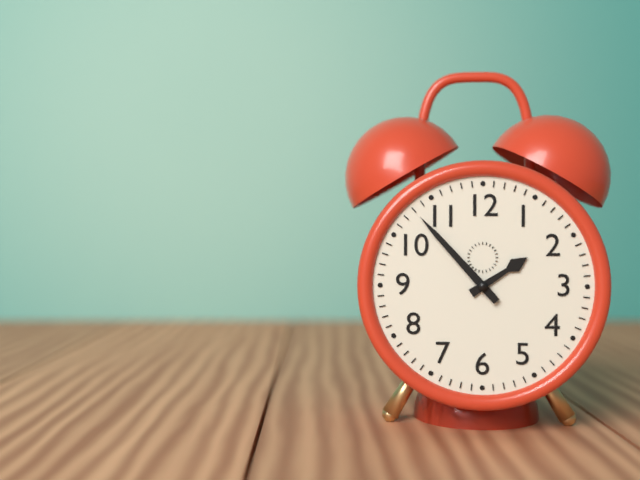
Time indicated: 1:53
